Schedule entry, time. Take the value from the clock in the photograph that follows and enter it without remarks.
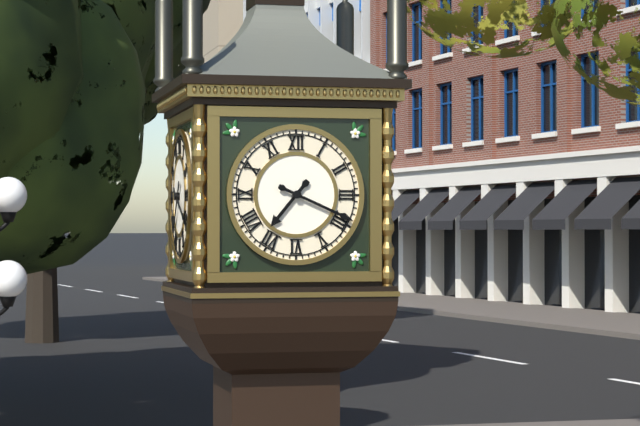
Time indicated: 7:19
